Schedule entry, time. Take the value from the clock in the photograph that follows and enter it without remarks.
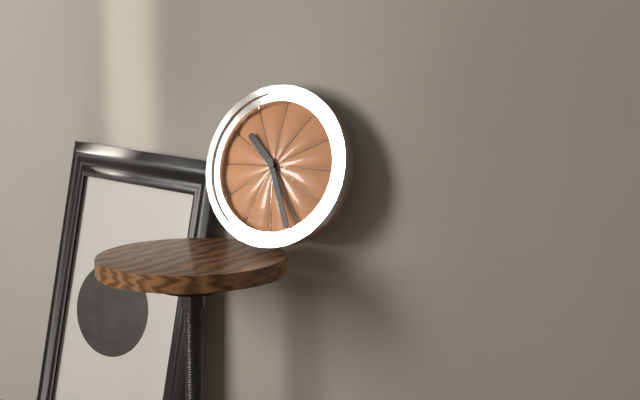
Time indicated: 10:26
